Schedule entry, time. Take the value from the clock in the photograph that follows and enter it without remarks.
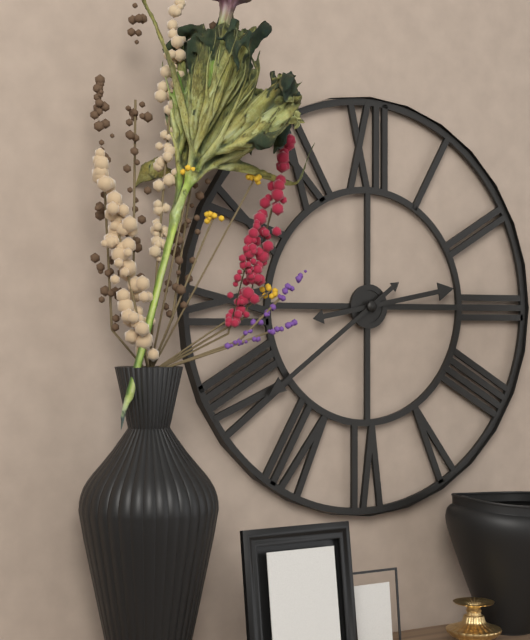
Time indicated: 2:39
